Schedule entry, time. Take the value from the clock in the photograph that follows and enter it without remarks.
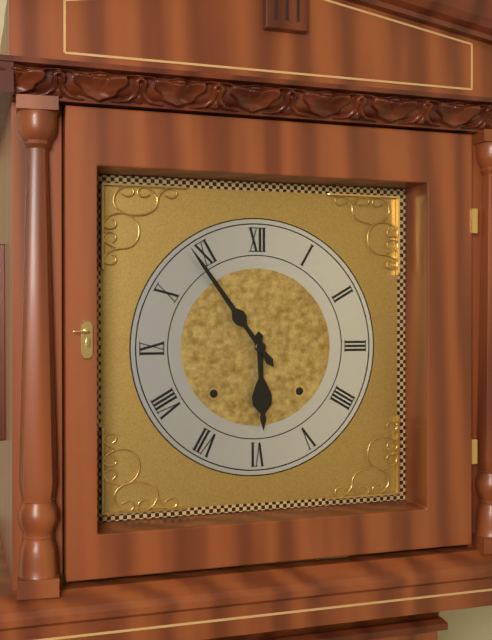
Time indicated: 5:54
